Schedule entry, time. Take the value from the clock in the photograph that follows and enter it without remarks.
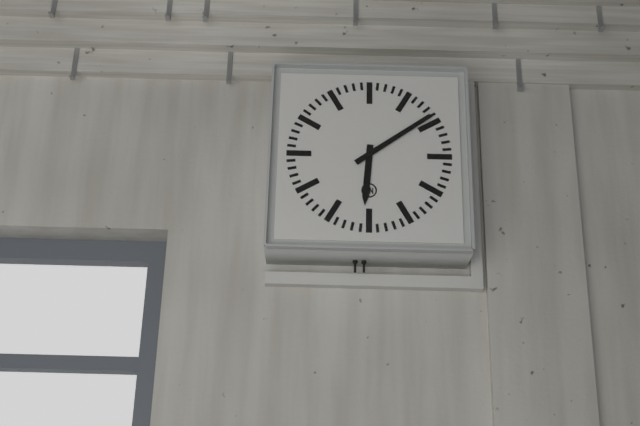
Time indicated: 6:09
